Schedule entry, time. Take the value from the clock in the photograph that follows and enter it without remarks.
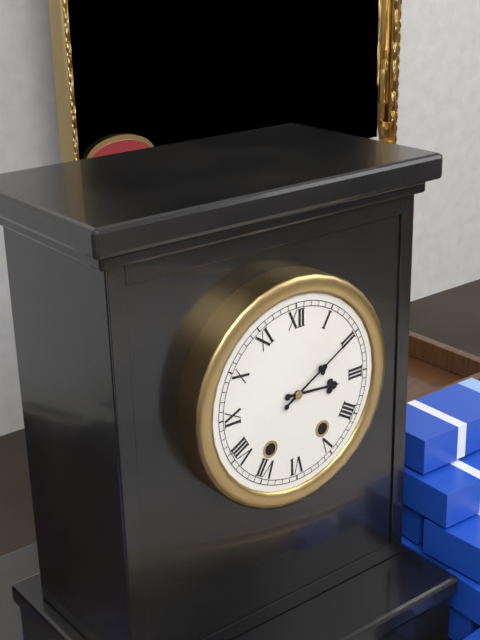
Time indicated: 3:10
